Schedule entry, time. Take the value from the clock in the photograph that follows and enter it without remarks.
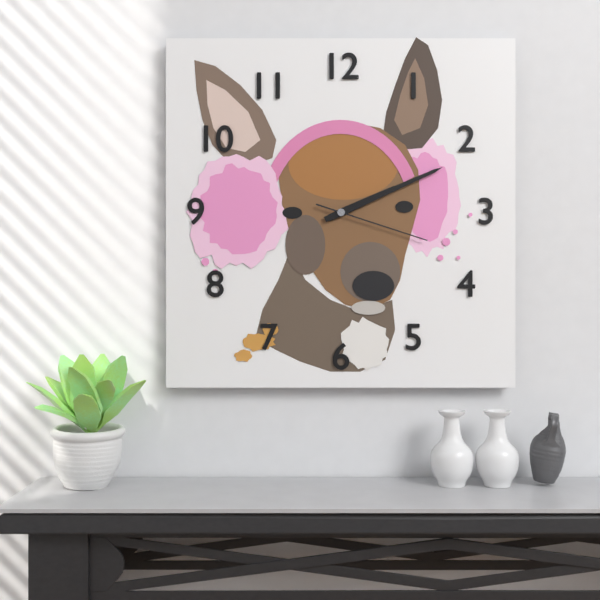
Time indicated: 2:11:18
